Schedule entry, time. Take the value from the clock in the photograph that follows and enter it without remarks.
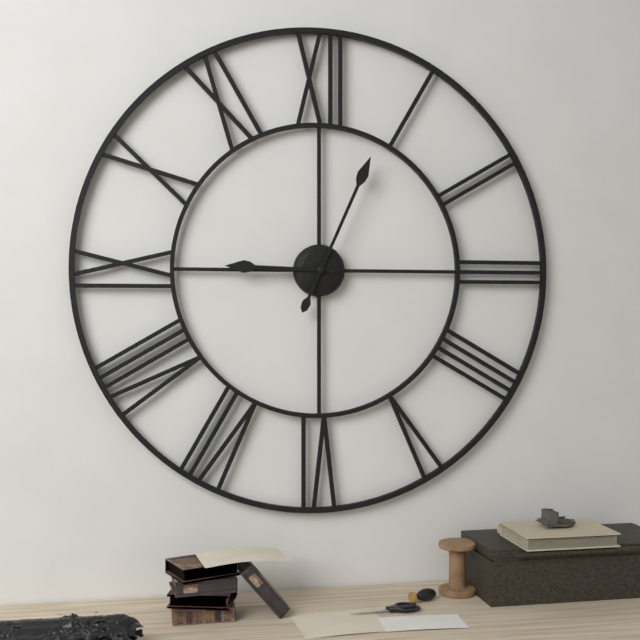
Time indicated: 9:04
